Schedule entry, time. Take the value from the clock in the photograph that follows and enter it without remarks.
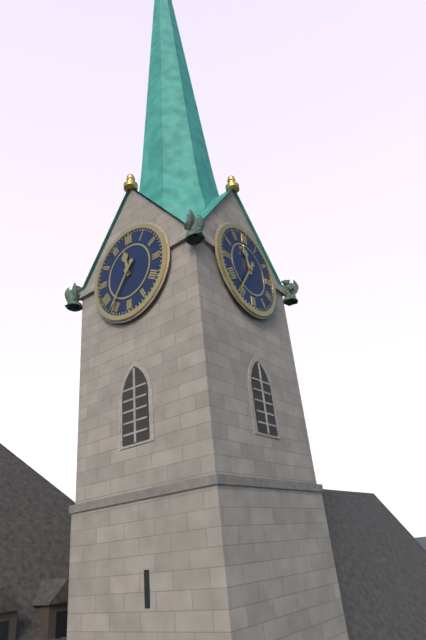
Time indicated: 11:36
